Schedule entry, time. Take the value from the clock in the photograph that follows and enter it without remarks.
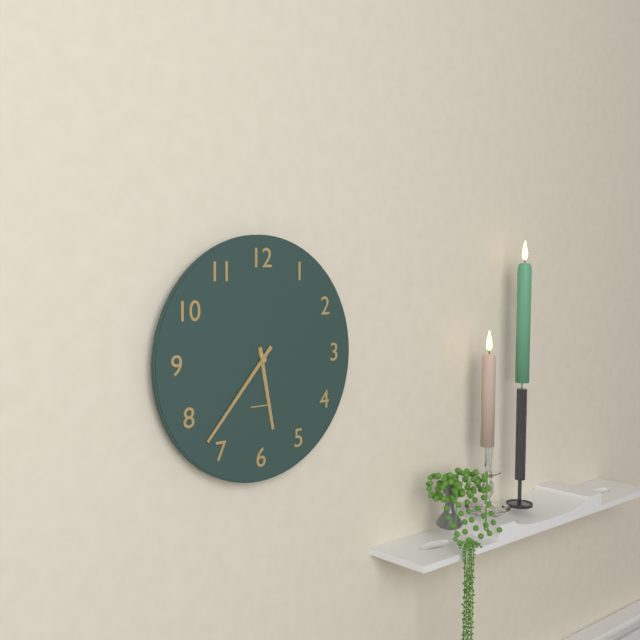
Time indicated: 5:37
